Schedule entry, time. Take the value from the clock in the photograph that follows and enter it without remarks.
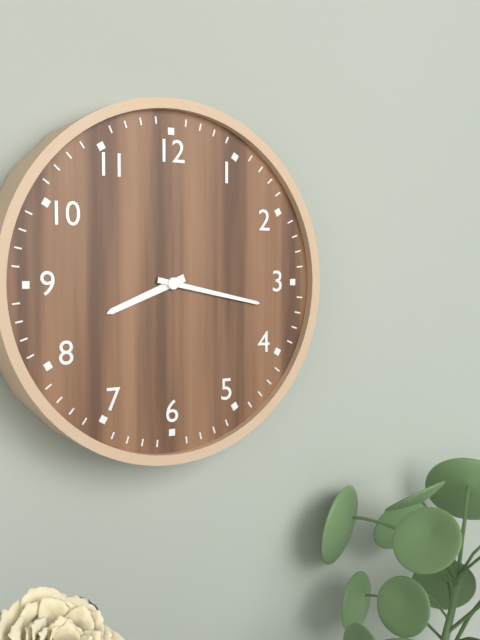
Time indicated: 8:17
